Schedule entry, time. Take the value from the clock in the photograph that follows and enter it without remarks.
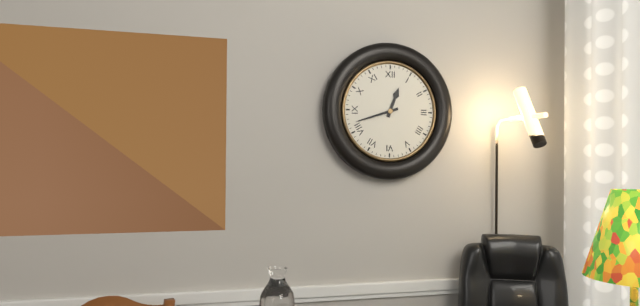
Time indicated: 12:42
